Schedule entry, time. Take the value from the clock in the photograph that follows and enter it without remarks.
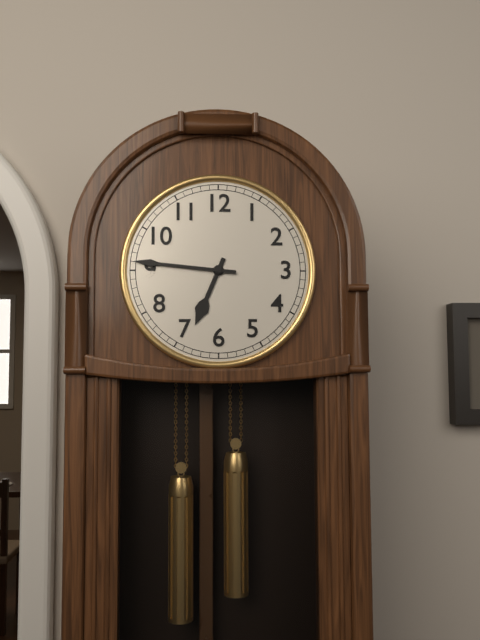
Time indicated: 6:46
